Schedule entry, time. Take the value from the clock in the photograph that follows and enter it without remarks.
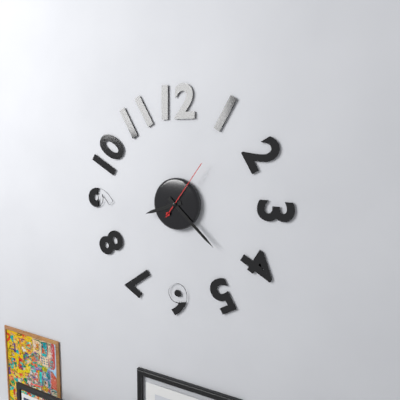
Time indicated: 8:22:06
